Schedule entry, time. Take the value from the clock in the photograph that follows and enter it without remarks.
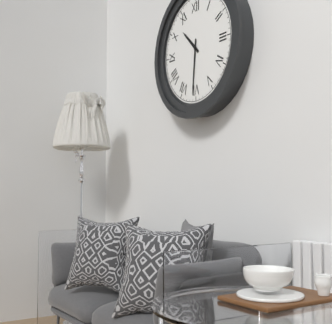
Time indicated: 10:31
